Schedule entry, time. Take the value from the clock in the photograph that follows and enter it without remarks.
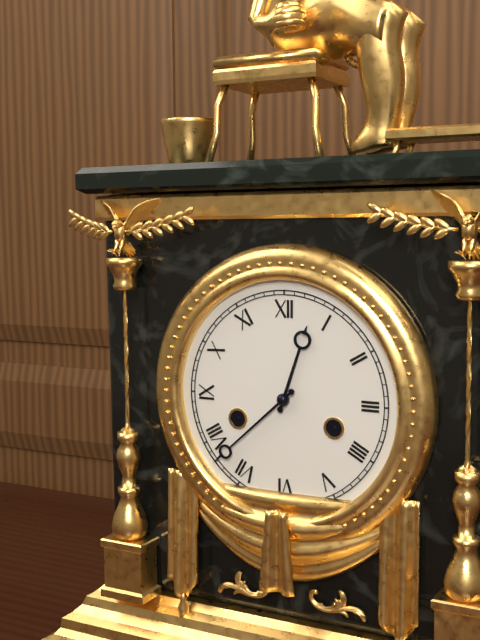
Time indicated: 12:38
